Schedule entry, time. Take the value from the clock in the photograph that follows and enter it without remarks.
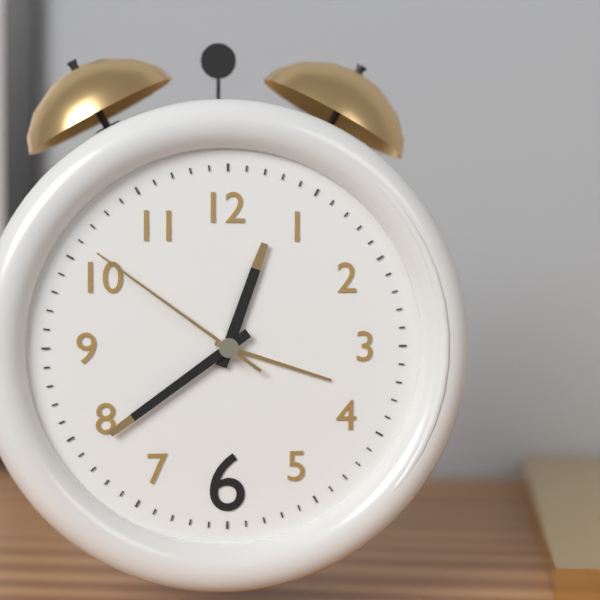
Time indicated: 12:39:51
